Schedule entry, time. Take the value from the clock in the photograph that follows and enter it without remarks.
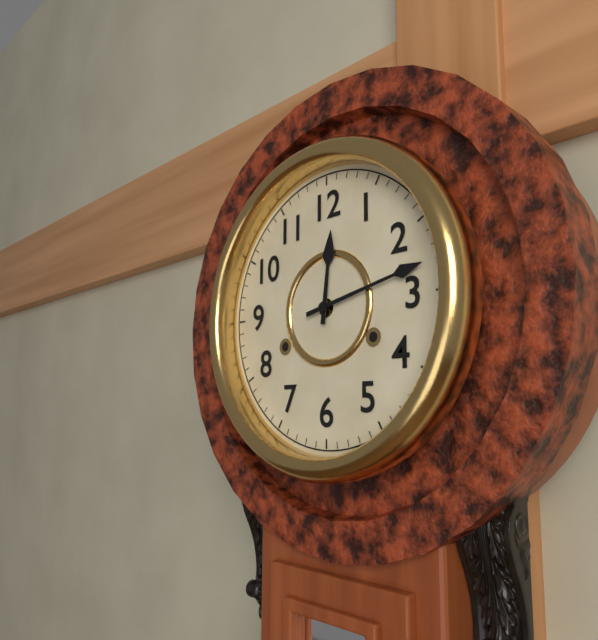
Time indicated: 12:13
